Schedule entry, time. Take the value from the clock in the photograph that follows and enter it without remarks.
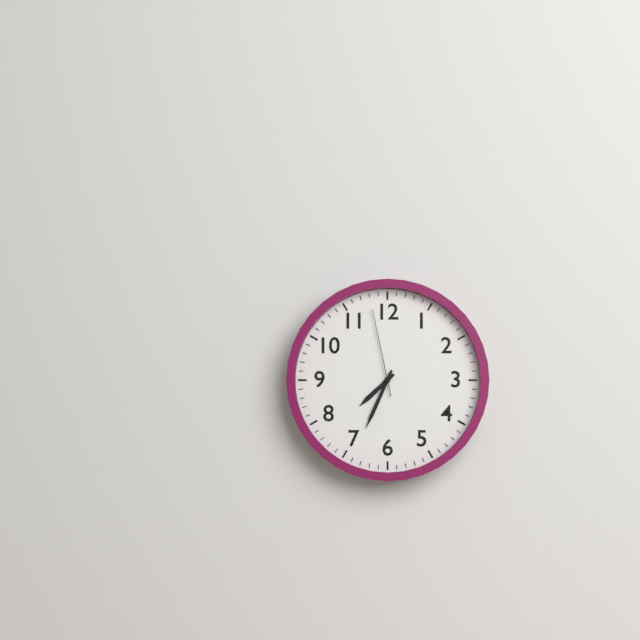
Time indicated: 7:34:58
